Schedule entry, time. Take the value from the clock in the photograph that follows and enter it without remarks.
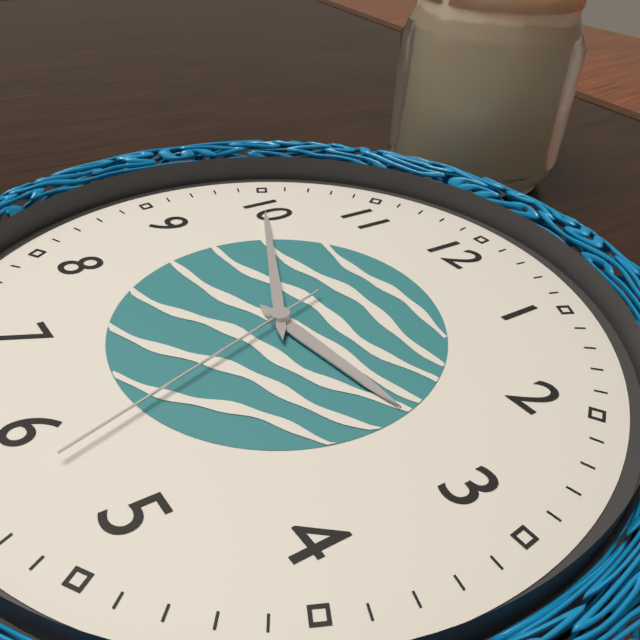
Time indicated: 2:50:28
